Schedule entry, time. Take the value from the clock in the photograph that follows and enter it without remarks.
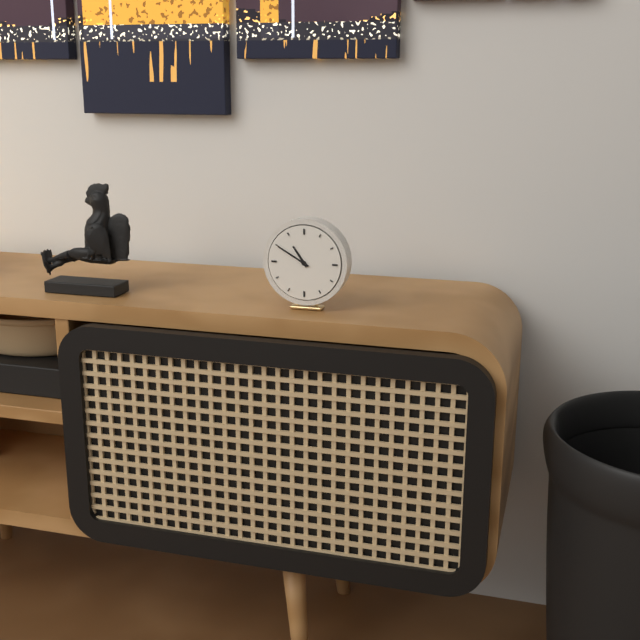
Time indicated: 10:50
